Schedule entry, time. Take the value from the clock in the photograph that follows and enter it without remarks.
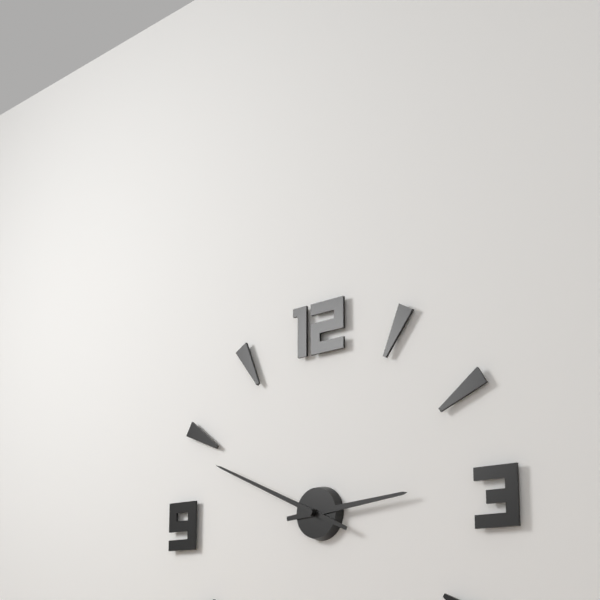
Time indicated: 2:49
